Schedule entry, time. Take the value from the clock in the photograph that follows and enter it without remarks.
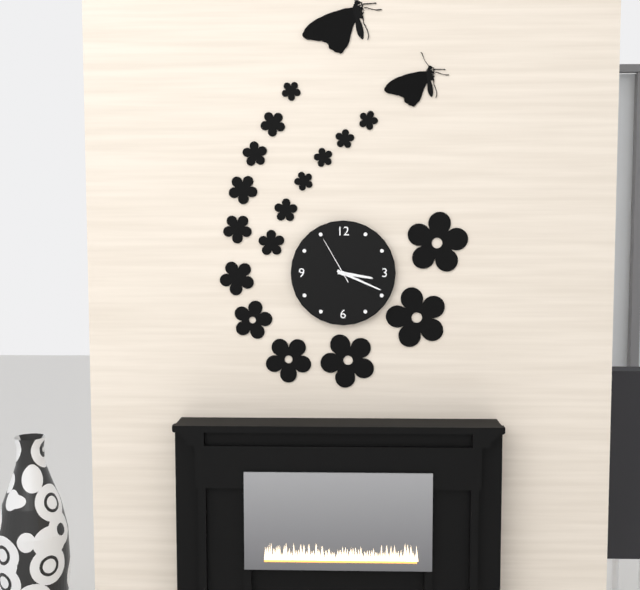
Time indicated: 3:19:55
